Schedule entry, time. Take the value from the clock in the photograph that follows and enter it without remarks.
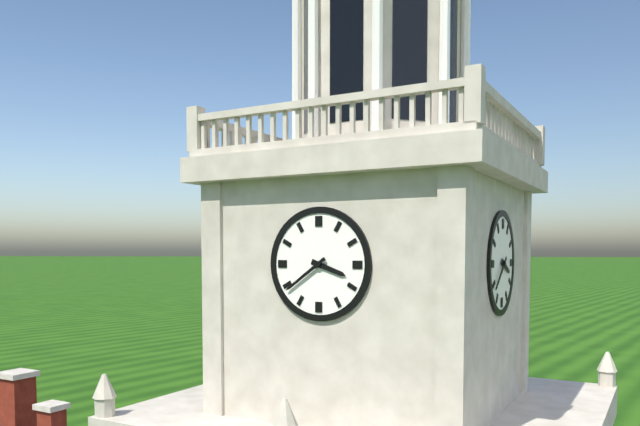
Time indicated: 3:39
